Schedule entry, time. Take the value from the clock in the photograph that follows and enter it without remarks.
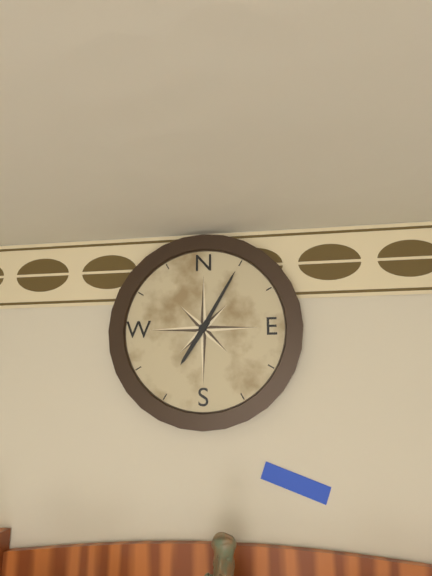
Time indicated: 7:05
